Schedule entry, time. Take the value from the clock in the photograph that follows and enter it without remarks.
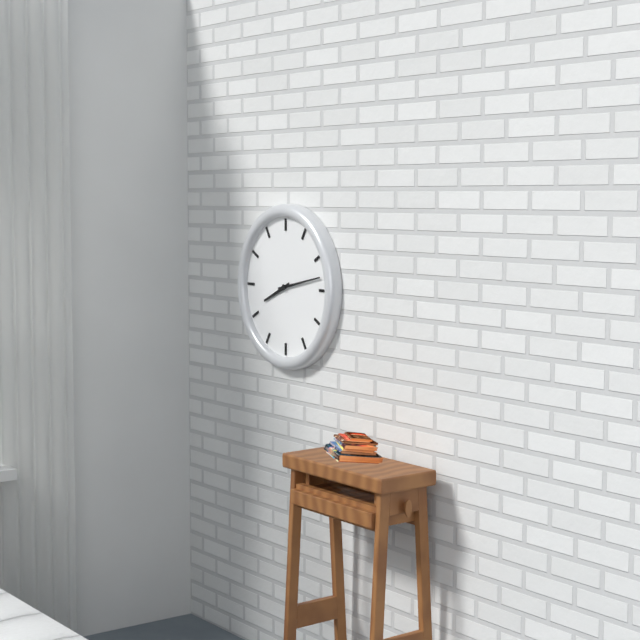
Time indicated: 8:13
